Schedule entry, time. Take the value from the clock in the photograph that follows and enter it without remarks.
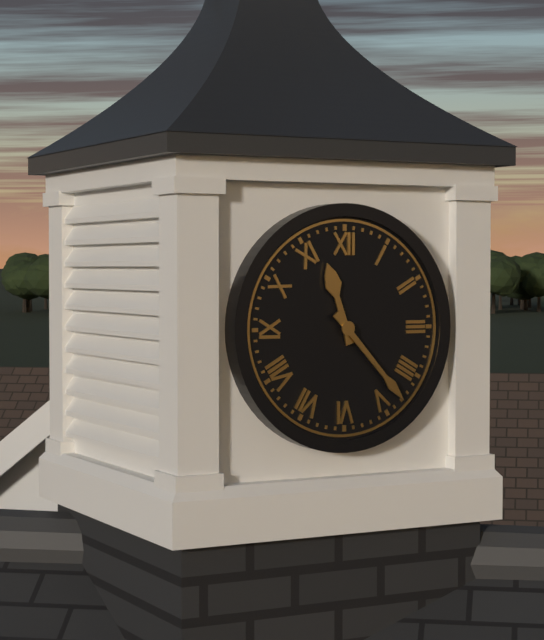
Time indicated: 11:23
